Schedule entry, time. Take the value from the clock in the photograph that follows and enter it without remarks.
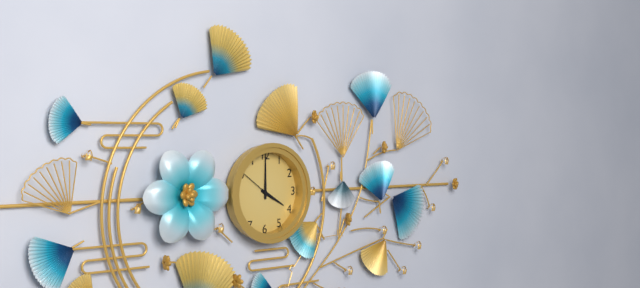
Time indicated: 4:00
